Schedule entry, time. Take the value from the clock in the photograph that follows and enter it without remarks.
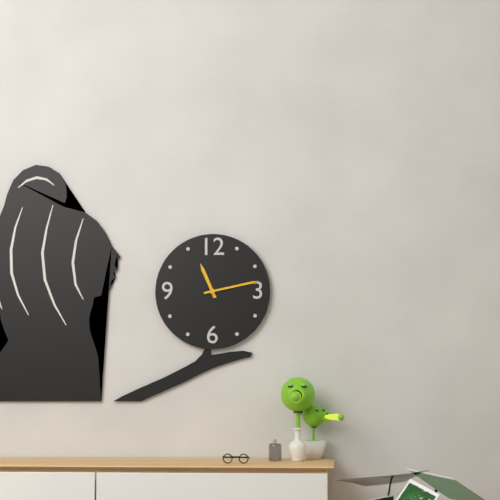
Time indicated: 11:13
